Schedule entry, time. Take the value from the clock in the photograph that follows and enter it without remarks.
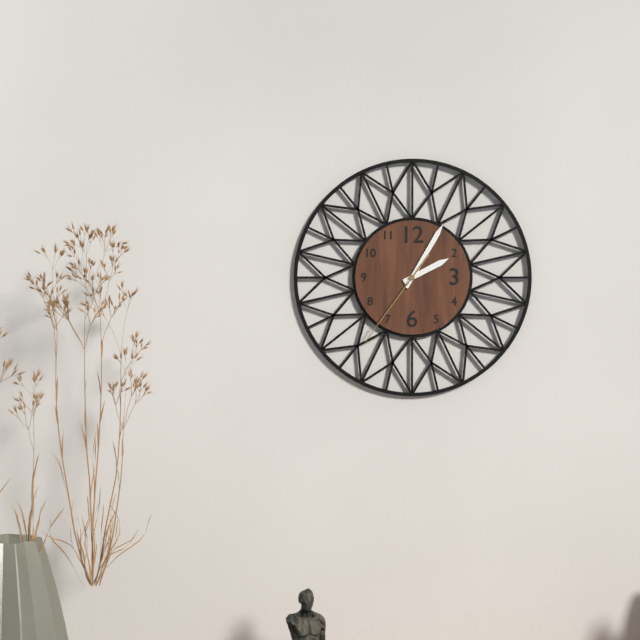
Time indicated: 2:05:36
